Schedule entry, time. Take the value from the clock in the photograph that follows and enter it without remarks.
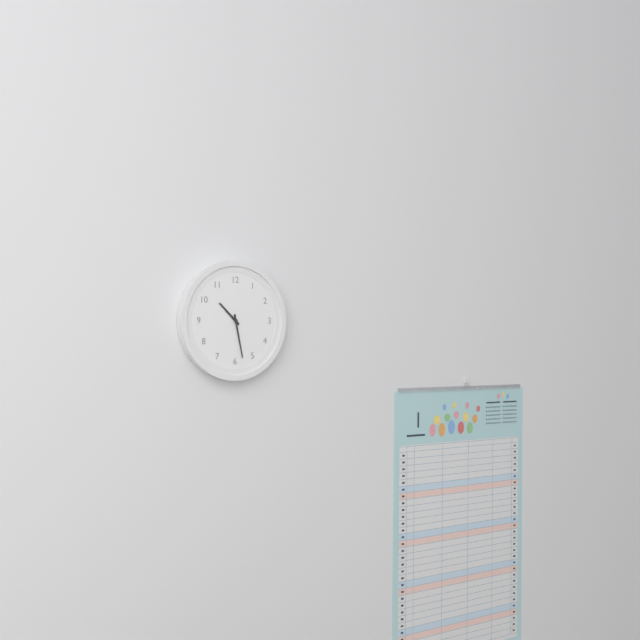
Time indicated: 10:28
